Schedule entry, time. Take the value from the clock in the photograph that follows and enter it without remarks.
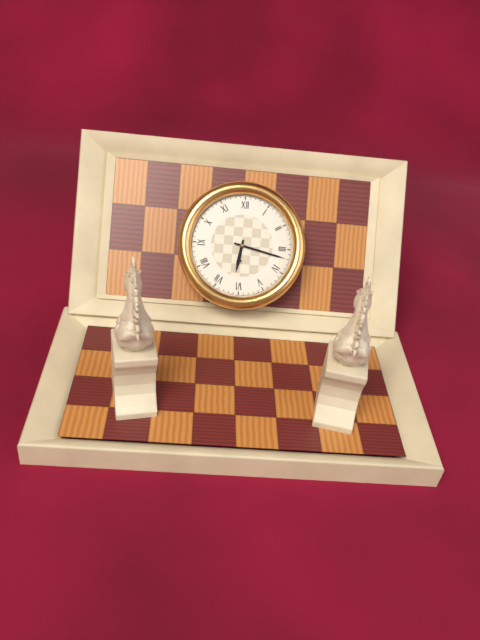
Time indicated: 6:17
